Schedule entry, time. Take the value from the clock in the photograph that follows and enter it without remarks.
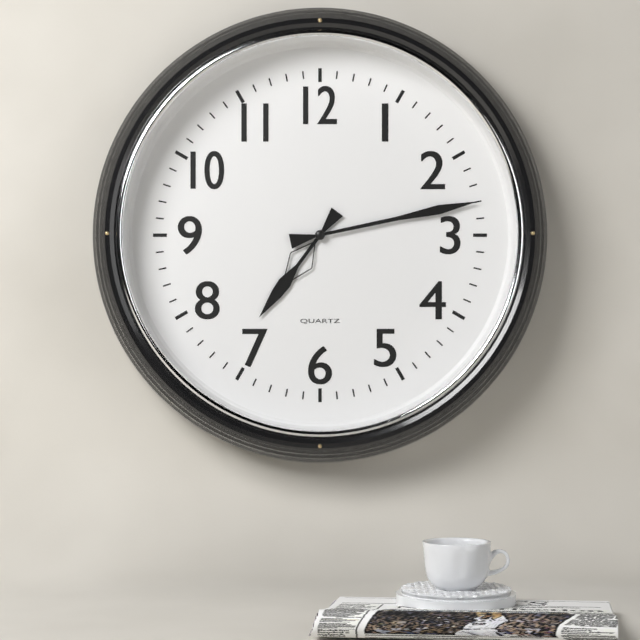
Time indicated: 7:13
